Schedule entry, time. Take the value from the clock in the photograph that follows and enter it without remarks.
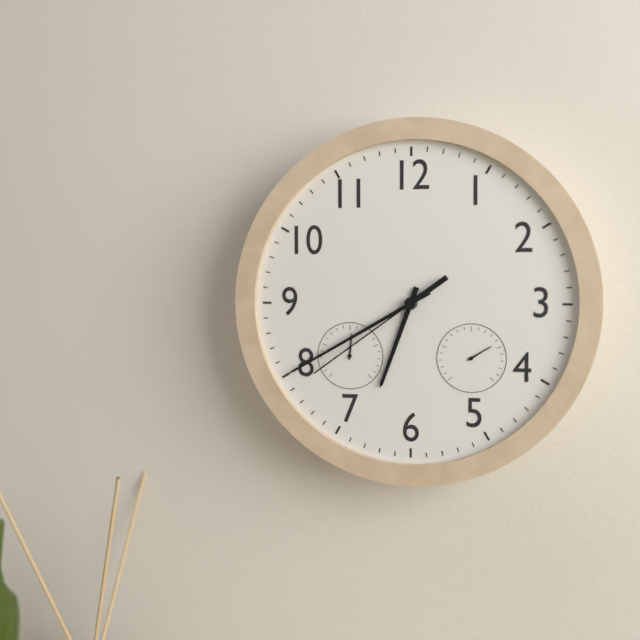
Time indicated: 6:40:39
